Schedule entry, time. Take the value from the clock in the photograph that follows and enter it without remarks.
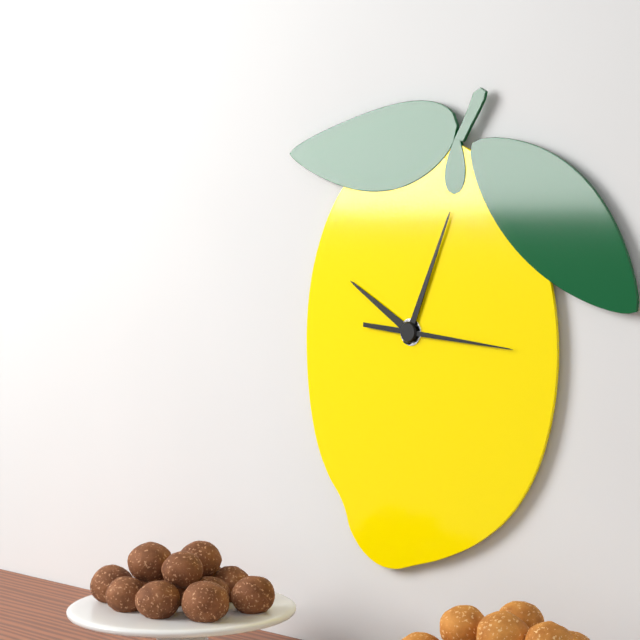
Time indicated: 10:04:16
